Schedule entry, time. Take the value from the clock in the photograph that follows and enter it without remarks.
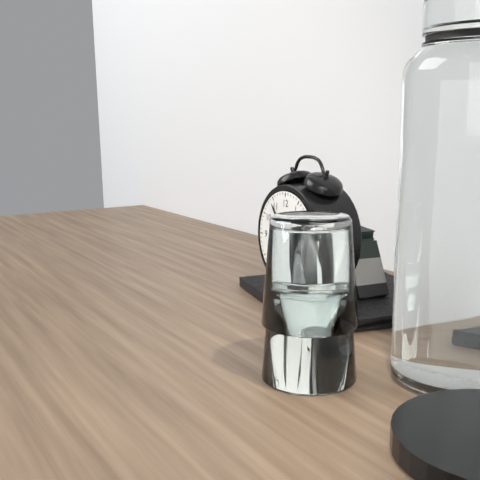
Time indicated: 2:54
